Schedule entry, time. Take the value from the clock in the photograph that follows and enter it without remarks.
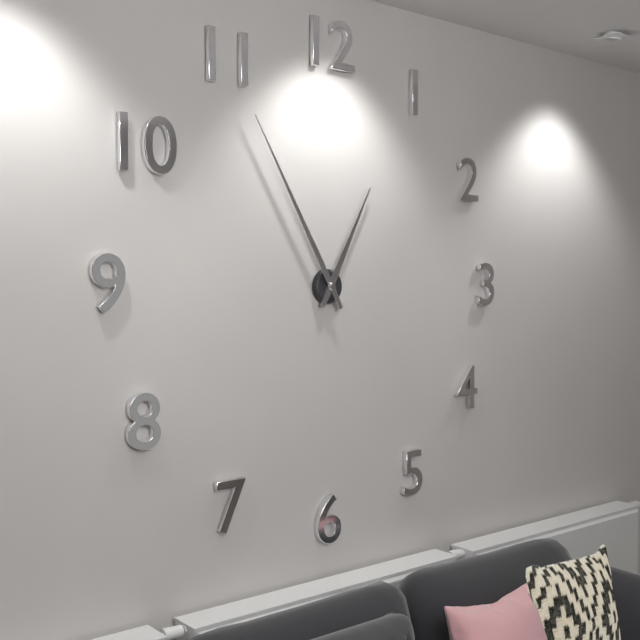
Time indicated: 12:55
